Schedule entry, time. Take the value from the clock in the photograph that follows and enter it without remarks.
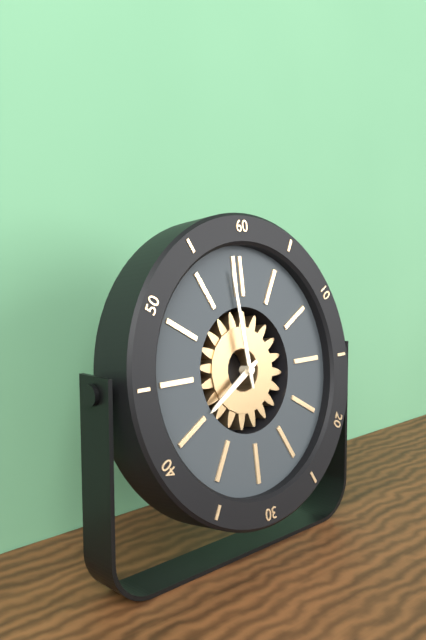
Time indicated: 7:59
